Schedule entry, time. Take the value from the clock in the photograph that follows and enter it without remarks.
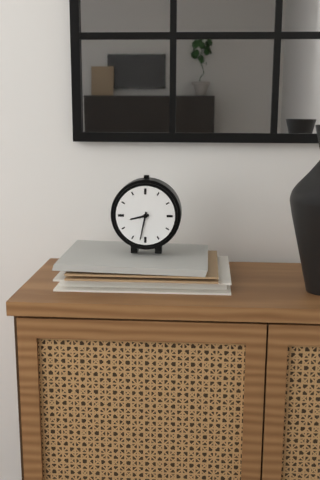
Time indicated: 8:32
